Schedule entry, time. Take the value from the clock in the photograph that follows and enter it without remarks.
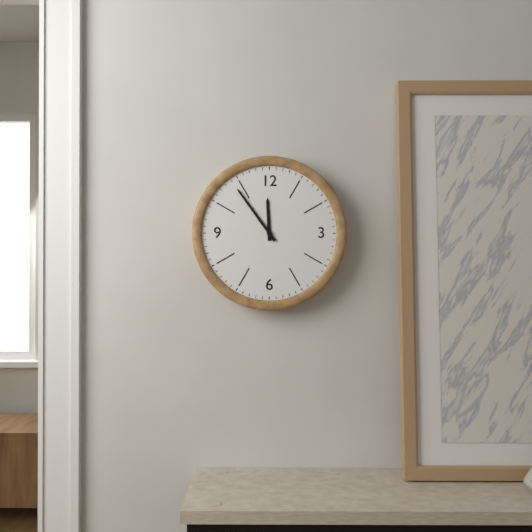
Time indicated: 11:54
